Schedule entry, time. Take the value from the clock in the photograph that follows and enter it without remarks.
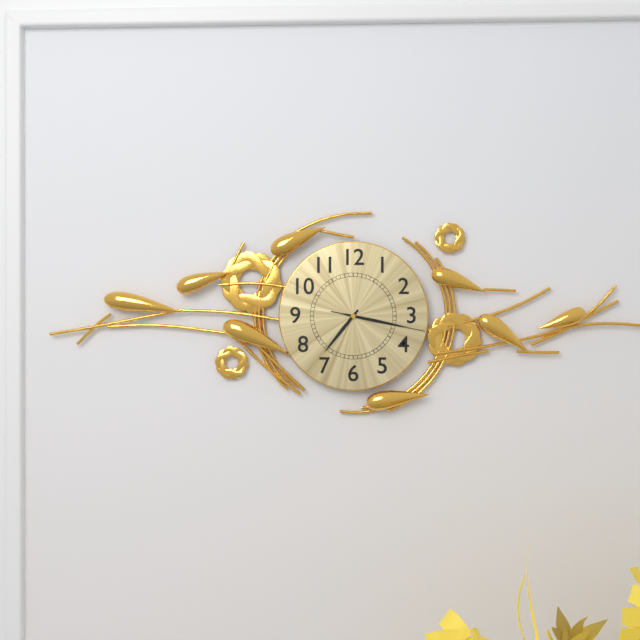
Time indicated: 7:17:17
